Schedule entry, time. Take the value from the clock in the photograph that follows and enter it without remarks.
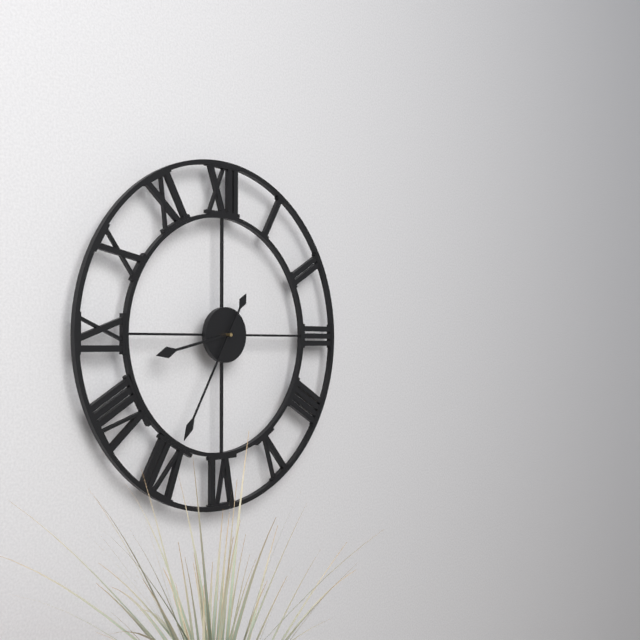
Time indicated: 8:35
